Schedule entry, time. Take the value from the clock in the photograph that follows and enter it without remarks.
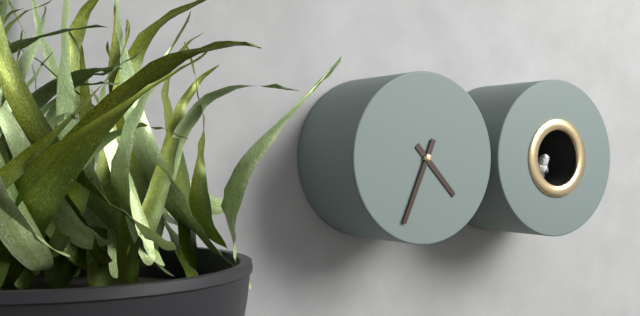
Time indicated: 4:34
